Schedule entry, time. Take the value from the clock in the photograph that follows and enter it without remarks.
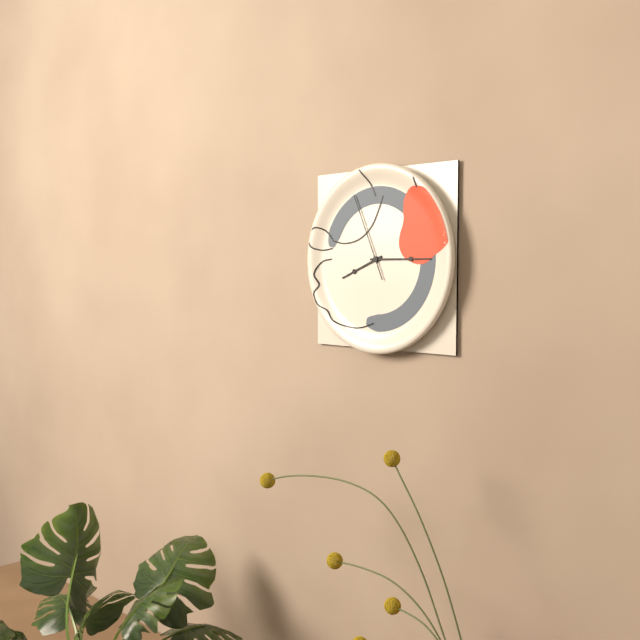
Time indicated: 8:15:56
